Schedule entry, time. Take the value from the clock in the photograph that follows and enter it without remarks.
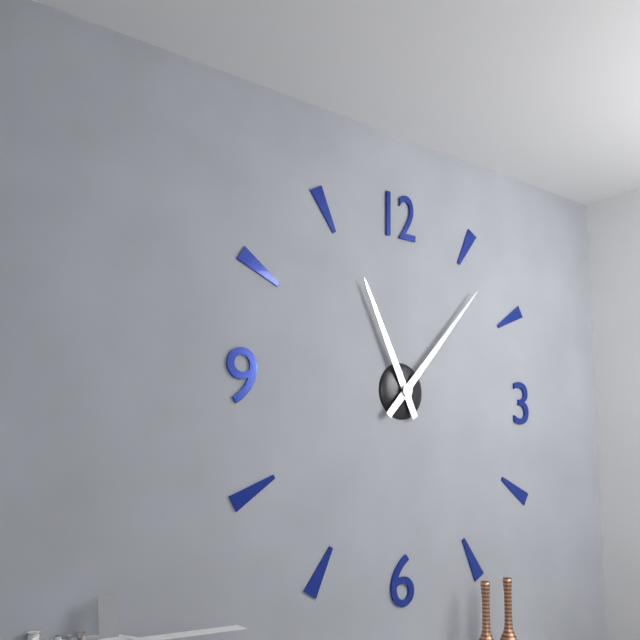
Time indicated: 11:07
